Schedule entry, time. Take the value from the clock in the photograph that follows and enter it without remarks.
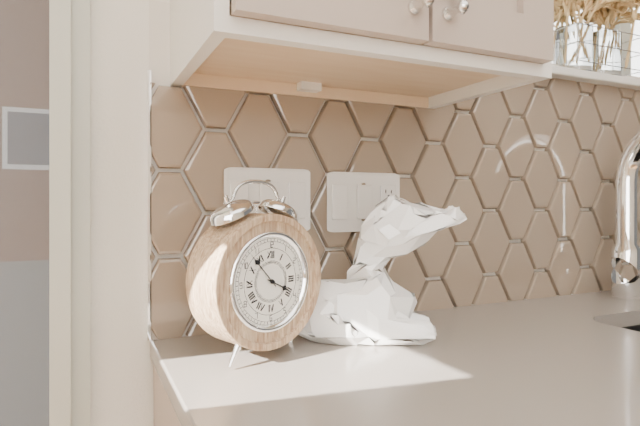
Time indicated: 3:53
